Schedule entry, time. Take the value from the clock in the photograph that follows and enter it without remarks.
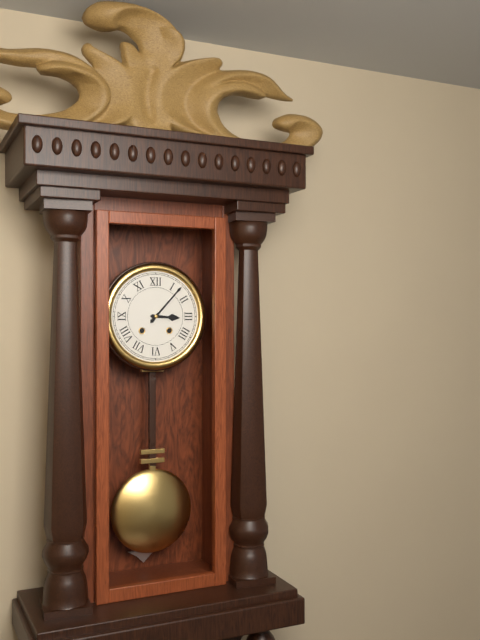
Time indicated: 3:07
